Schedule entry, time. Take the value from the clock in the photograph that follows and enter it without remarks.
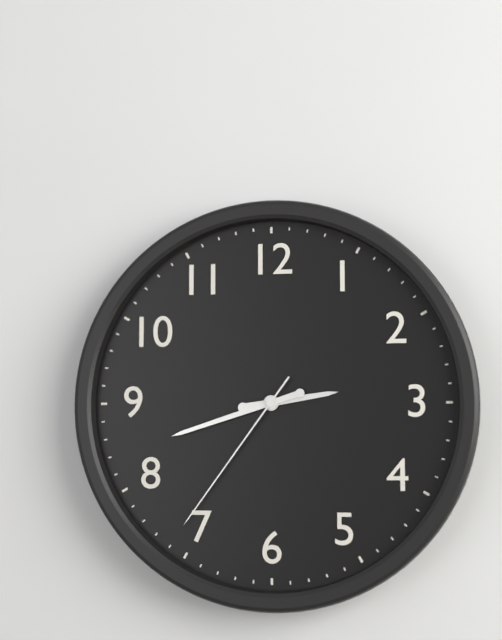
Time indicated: 2:42:36
